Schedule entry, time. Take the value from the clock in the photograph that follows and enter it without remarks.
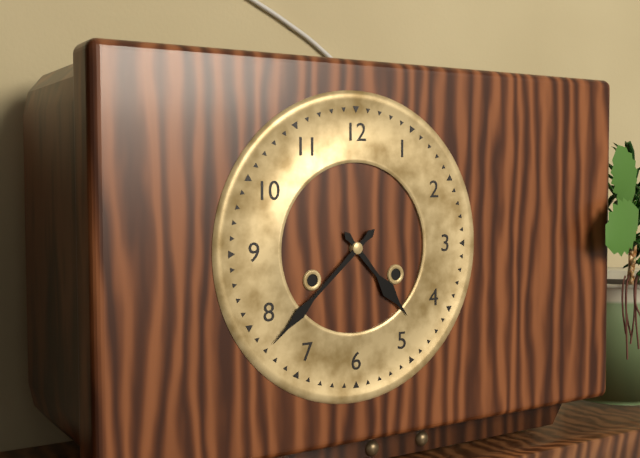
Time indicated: 4:38
